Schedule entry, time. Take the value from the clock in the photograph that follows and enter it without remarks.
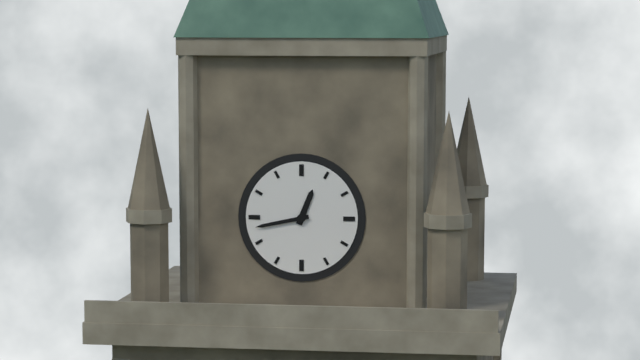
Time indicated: 12:43
